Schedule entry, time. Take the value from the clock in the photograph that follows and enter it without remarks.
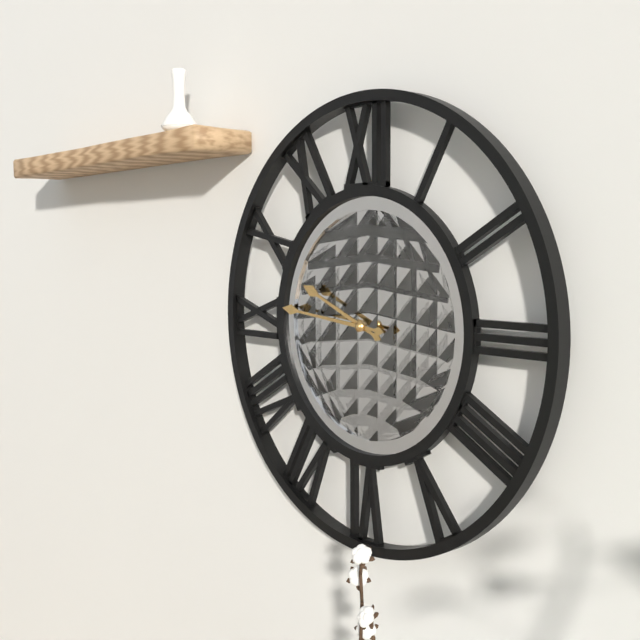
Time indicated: 9:46
